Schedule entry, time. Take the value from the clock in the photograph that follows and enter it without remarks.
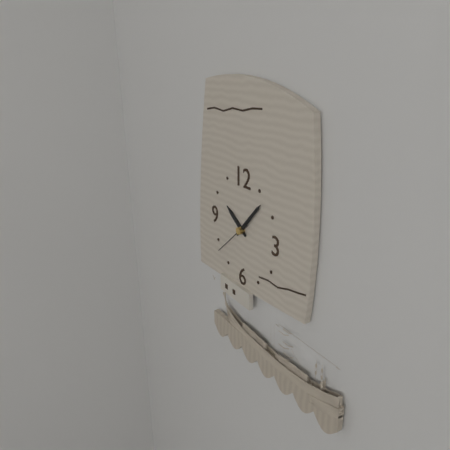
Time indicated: 10:07
